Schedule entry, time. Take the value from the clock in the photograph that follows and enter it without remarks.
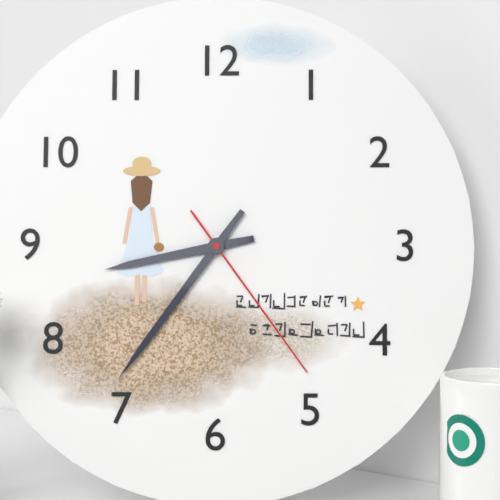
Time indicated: 8:36:24
